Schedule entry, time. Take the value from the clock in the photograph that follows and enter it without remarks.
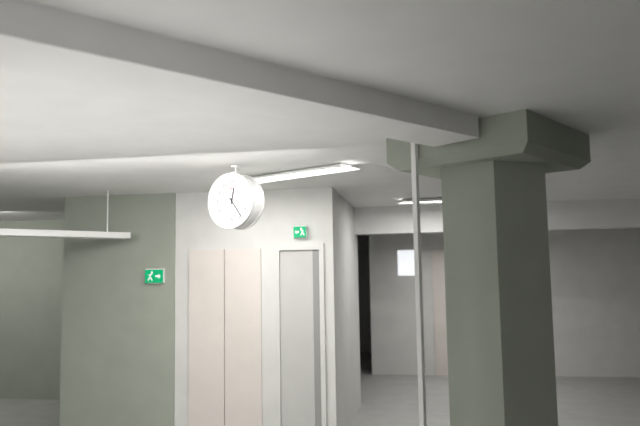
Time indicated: 12:24
